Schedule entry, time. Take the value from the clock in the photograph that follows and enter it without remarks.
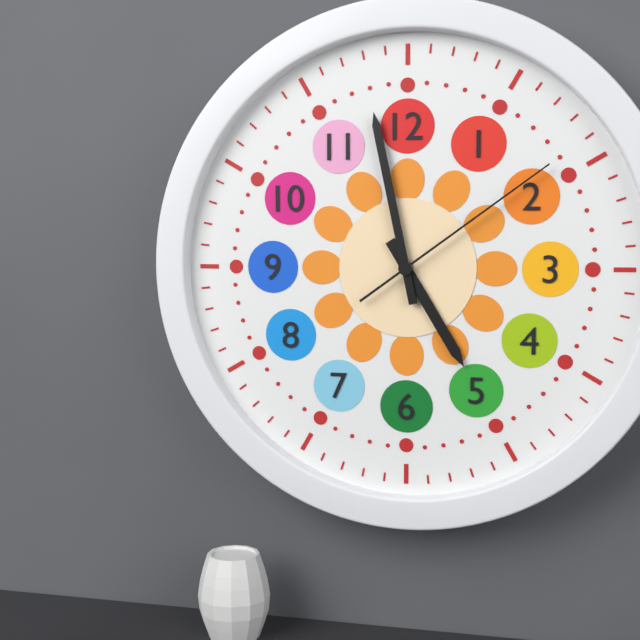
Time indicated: 4:58:09
